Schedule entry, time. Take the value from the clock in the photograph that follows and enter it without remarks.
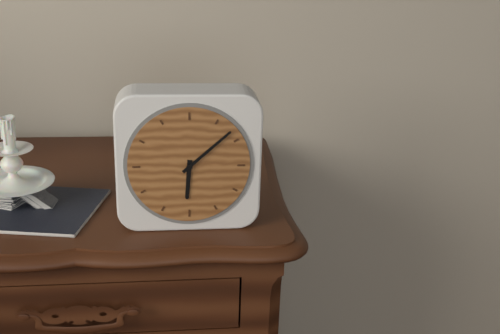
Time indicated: 6:08
